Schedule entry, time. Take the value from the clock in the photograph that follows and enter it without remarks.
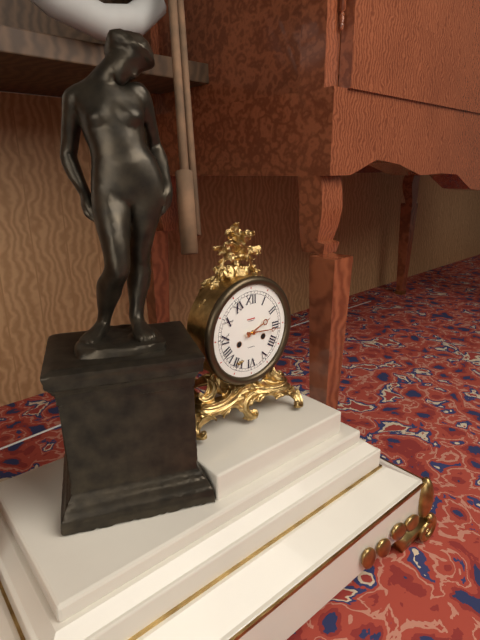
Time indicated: 2:16
